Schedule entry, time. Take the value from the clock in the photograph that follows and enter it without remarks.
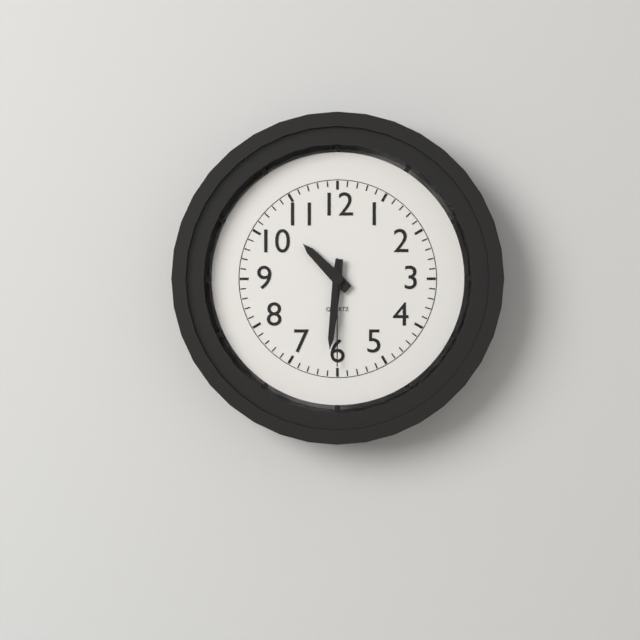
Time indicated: 10:31:30
